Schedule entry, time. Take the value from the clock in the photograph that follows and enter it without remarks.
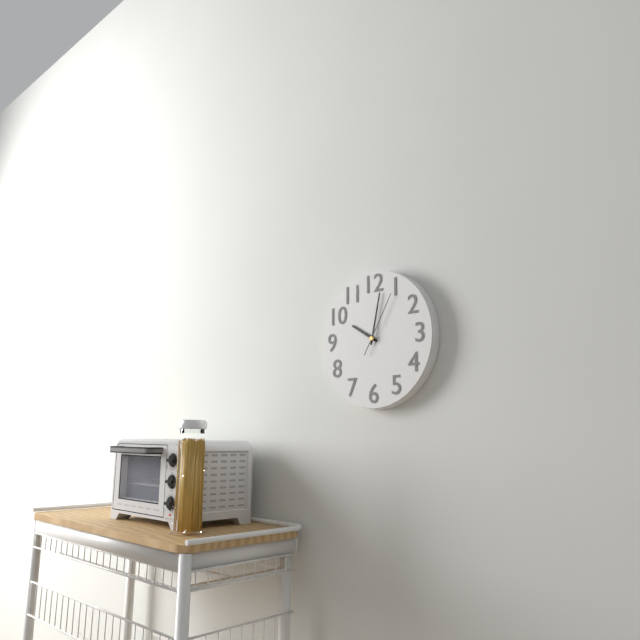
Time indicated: 10:02:05
